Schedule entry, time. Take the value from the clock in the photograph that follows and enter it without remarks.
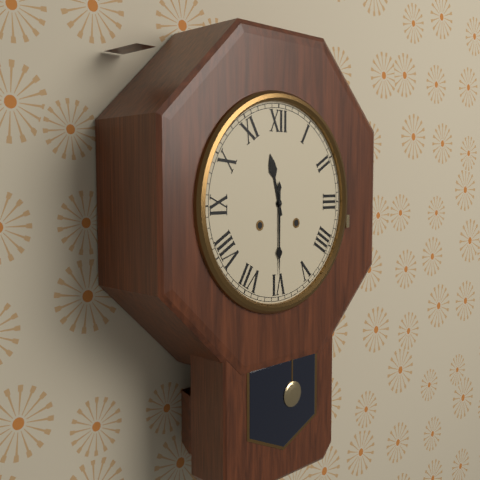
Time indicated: 11:30
